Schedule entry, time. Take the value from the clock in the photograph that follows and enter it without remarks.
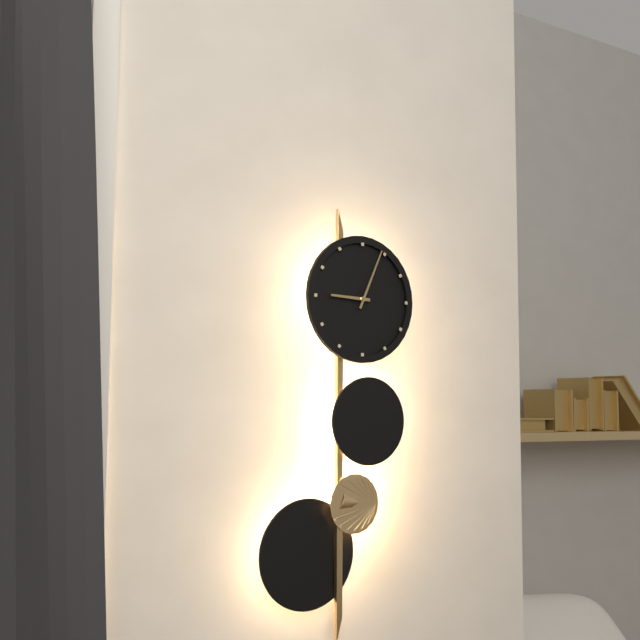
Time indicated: 9:04
